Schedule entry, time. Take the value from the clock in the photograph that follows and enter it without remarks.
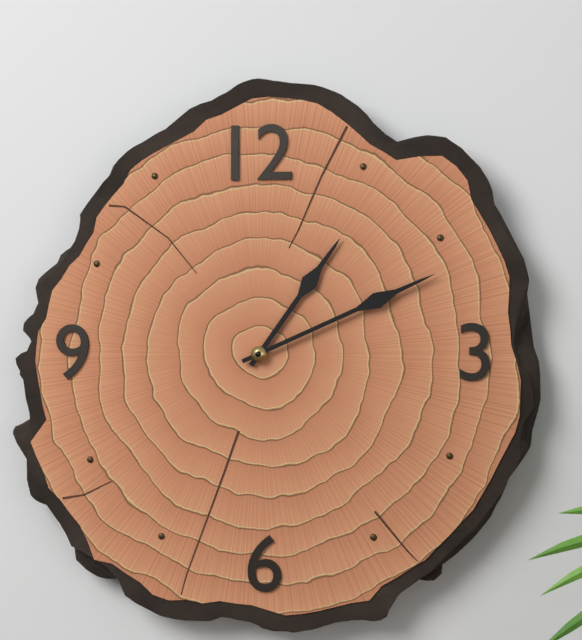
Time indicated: 1:11
